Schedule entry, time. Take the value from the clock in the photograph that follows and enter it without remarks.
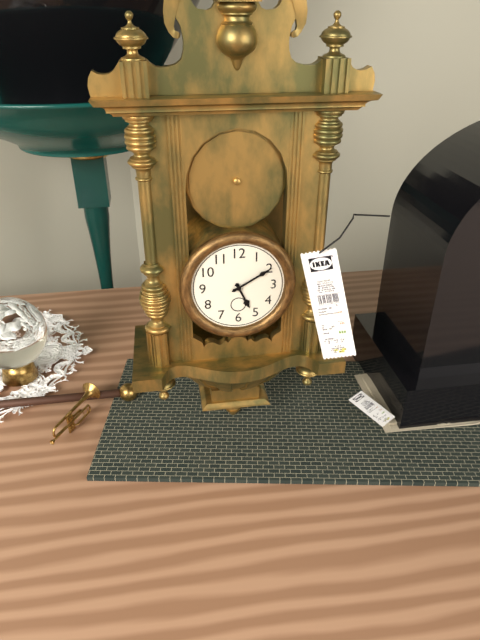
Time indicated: 5:10
